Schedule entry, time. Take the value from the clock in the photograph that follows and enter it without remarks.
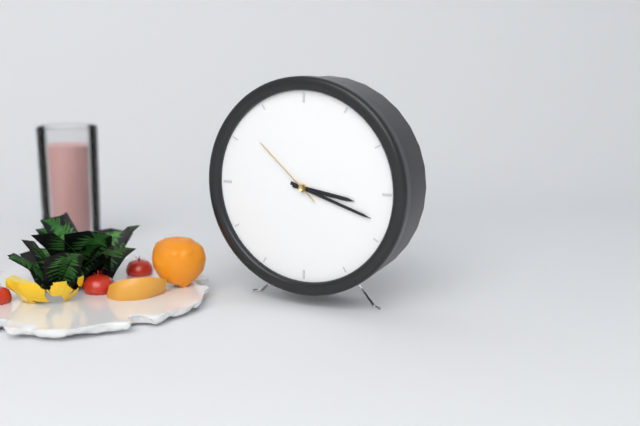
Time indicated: 3:18:52
